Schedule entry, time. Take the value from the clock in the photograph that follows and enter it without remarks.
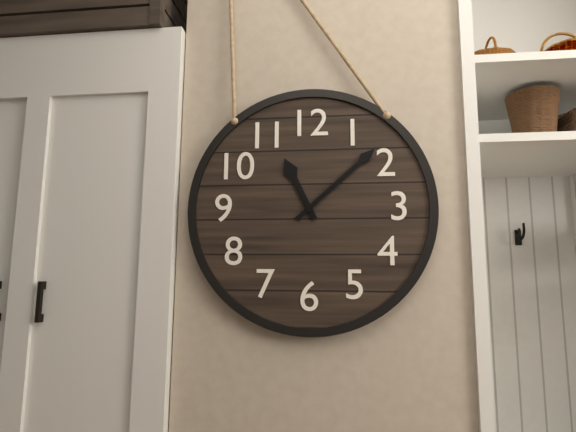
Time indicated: 11:08
